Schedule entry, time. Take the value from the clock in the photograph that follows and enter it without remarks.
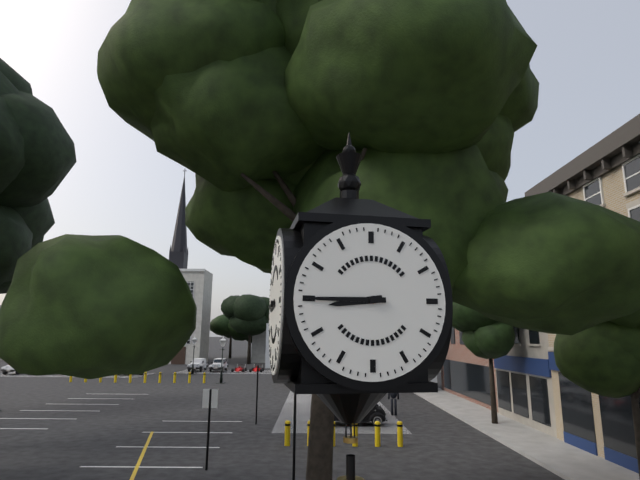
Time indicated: 8:45
